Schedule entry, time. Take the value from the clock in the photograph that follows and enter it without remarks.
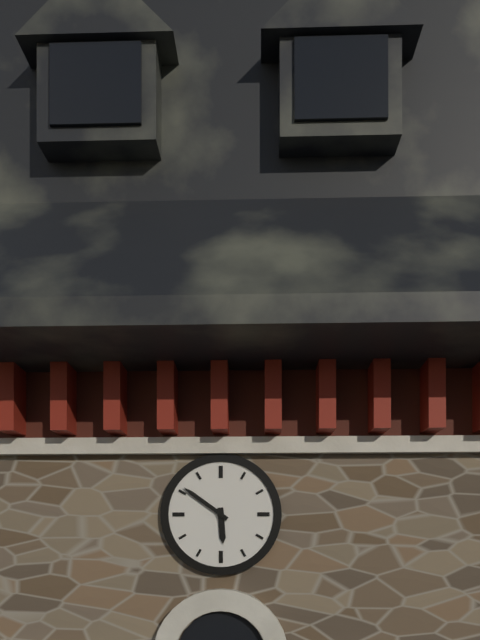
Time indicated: 5:51
